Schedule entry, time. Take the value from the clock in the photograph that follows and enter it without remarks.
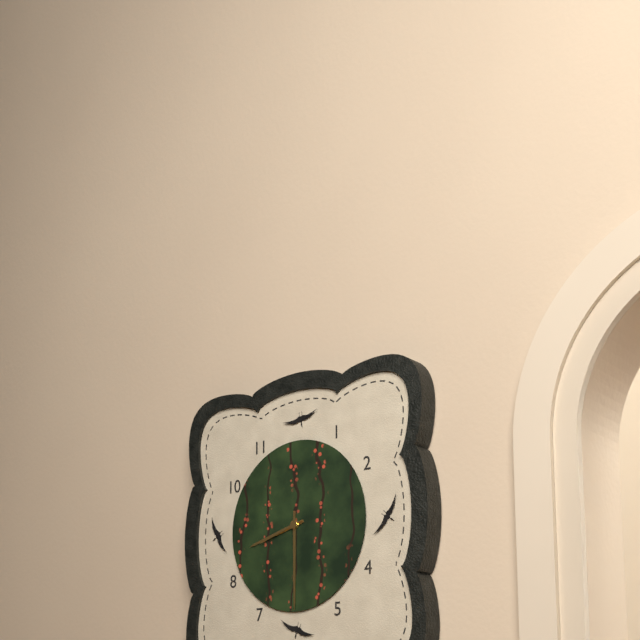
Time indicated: 8:30
